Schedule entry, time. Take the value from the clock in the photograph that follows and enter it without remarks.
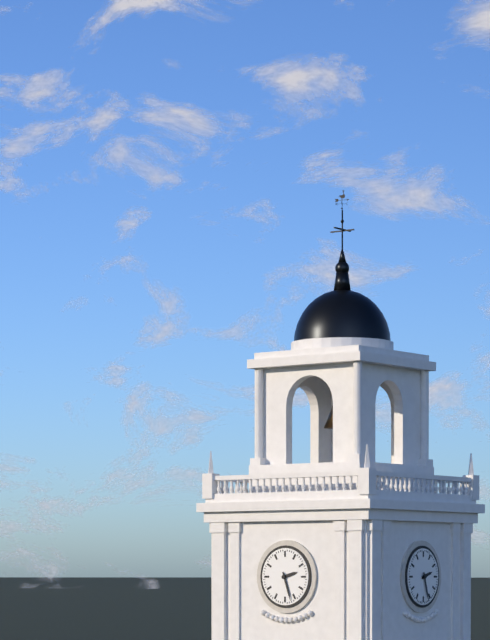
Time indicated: 2:27
